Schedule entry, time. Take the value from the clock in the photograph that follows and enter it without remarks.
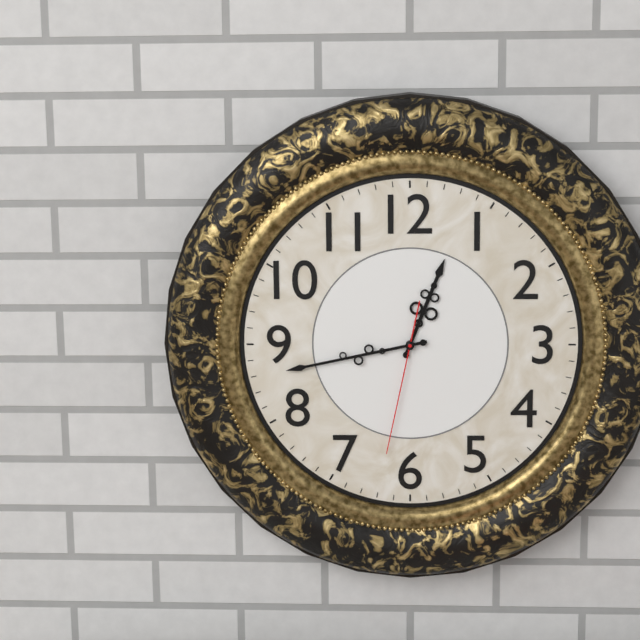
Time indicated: 12:43:32
